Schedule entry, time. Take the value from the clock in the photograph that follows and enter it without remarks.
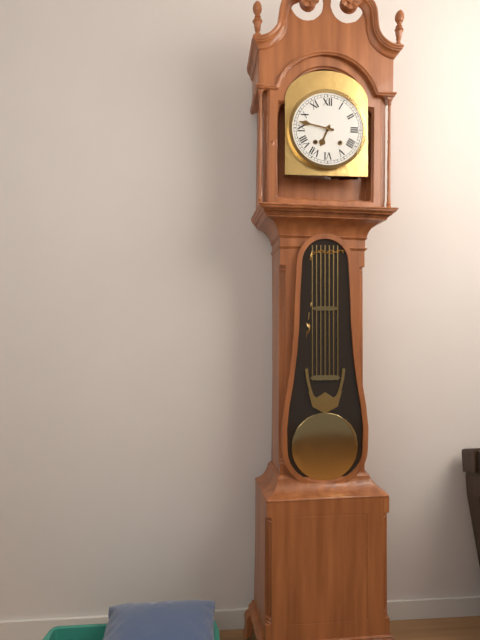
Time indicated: 6:47
